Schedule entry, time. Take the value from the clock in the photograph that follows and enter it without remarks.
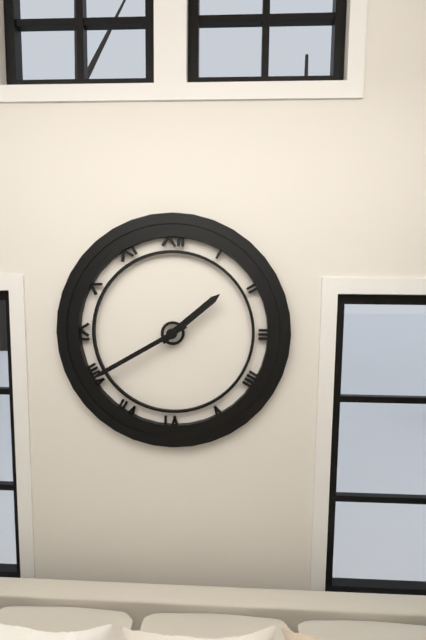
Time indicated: 1:40
